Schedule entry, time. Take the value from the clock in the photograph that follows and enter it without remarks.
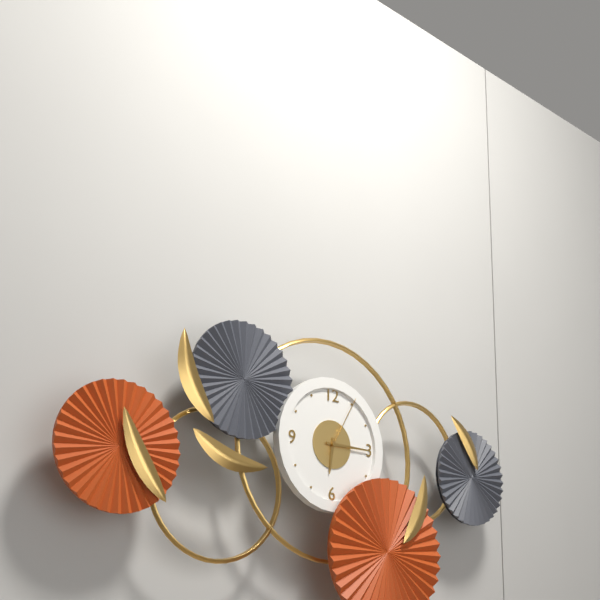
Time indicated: 6:15:05
